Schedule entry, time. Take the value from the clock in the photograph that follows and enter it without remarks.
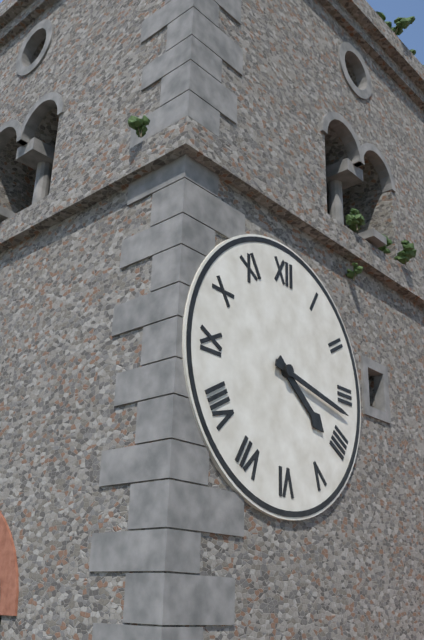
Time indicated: 4:17
